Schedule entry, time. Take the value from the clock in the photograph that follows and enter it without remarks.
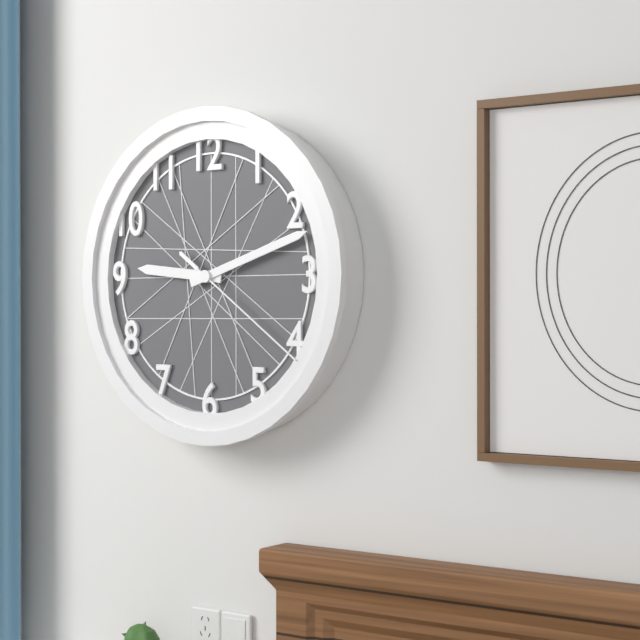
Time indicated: 9:12:21
